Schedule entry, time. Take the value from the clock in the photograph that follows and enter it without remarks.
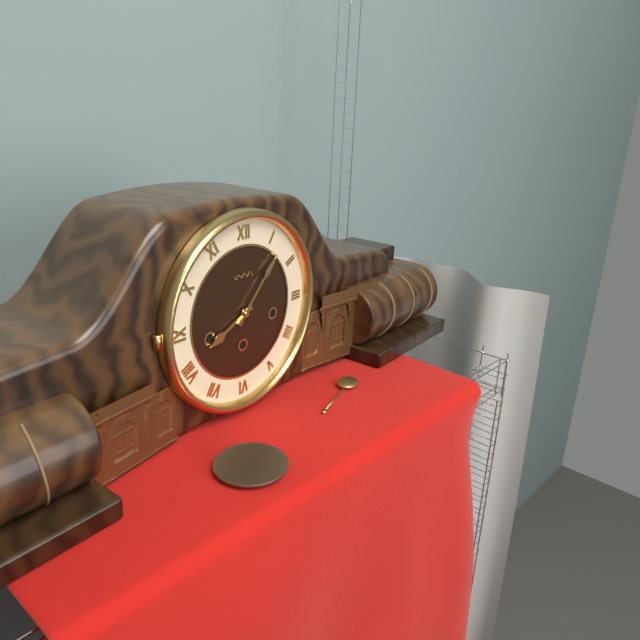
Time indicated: 8:07
